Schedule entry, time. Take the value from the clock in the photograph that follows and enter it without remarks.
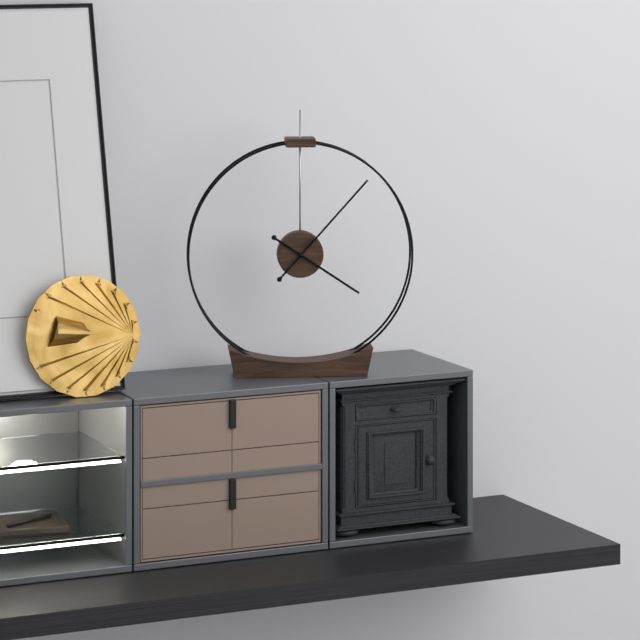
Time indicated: 4:07
